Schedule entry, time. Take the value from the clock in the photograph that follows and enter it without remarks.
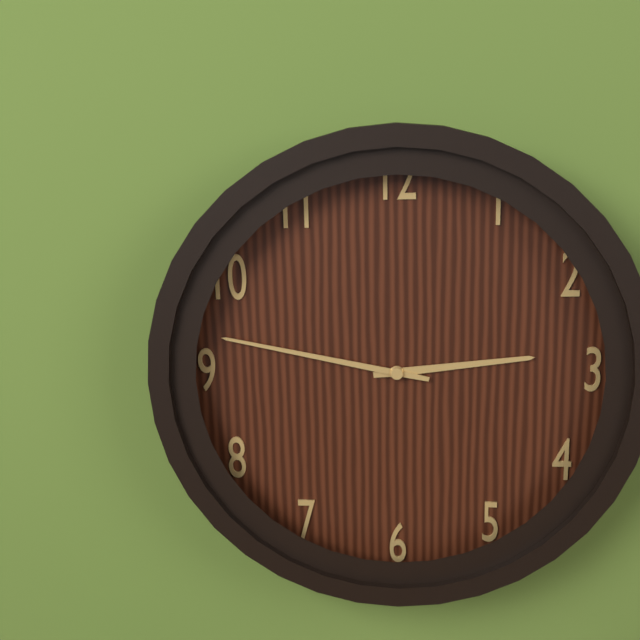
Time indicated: 2:47
